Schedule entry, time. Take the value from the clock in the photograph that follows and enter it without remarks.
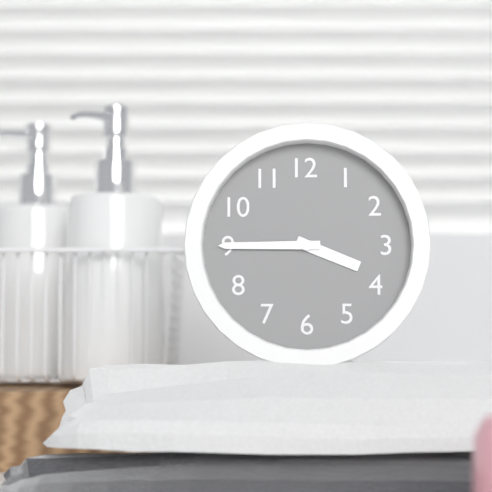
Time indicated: 3:45
